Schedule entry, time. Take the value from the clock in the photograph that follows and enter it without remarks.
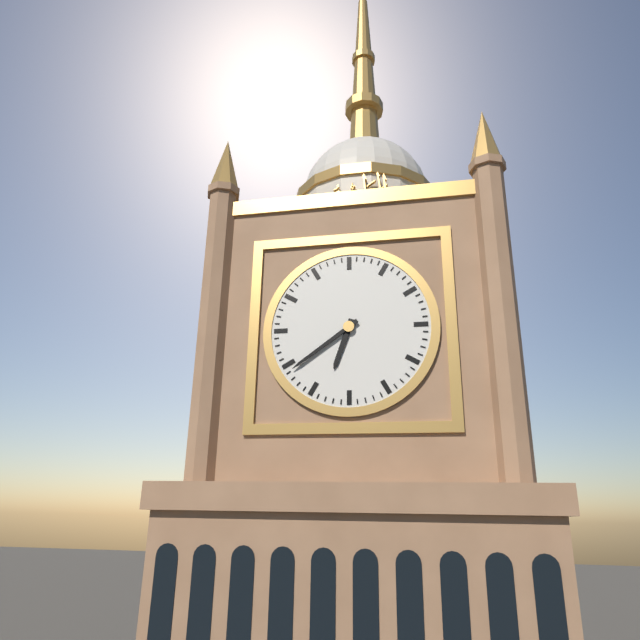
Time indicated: 6:39
